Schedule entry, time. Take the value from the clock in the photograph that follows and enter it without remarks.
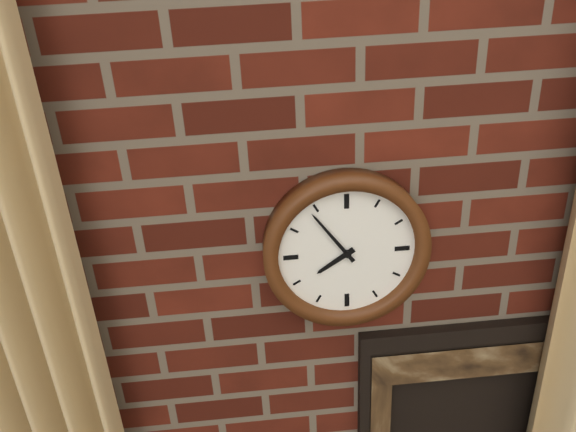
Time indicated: 7:54
